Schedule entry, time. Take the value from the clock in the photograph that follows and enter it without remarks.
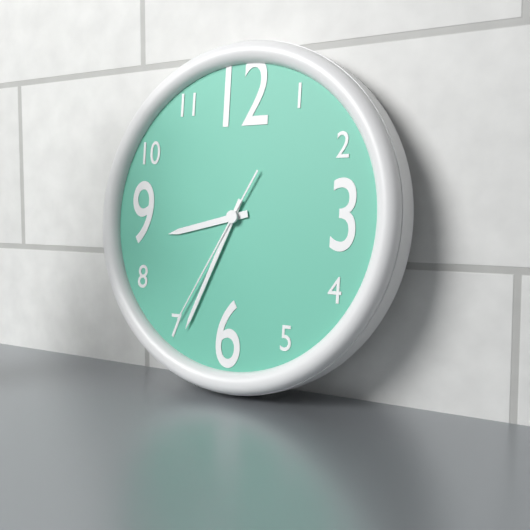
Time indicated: 8:34:35
